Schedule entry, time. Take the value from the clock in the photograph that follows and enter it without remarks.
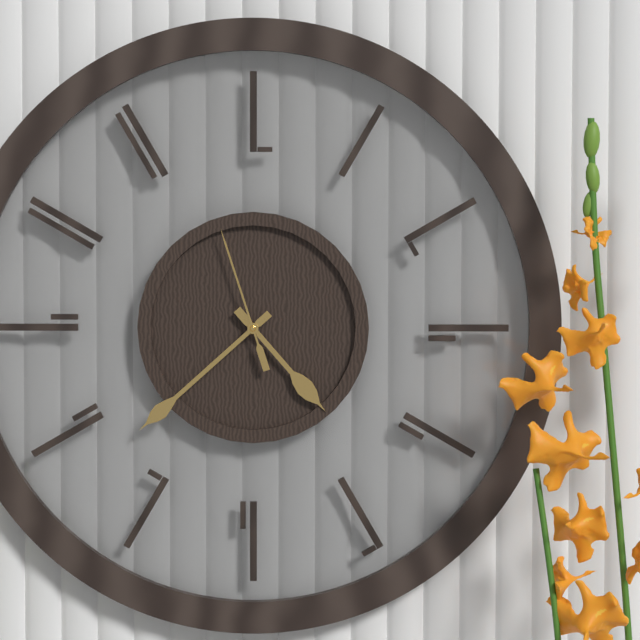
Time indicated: 4:38:57
